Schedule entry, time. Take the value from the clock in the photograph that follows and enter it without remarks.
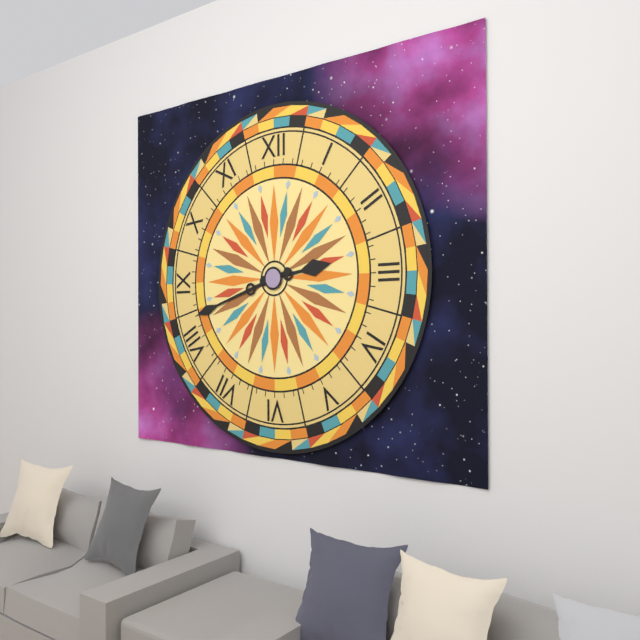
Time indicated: 2:42
